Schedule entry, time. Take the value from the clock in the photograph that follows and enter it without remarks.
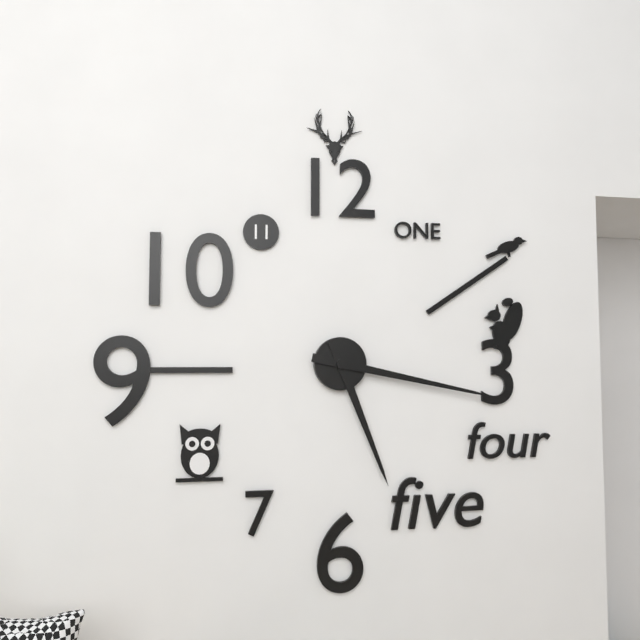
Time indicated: 5:17
